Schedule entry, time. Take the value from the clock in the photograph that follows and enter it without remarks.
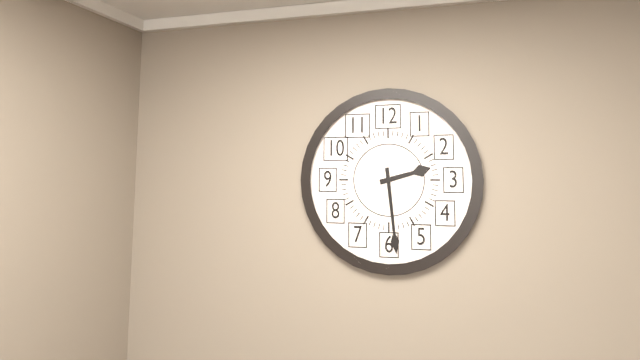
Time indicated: 2:29
